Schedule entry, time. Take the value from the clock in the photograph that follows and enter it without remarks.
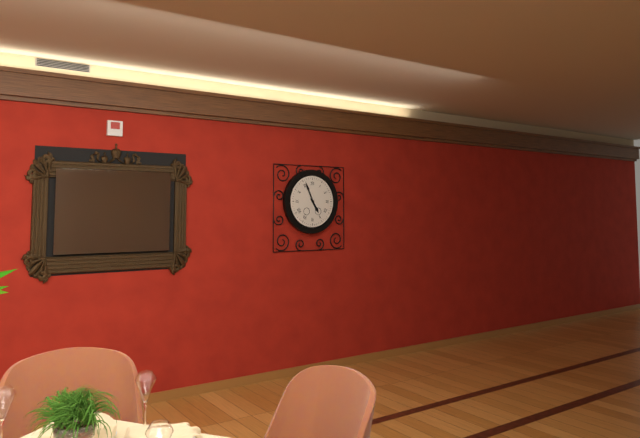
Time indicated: 4:56
